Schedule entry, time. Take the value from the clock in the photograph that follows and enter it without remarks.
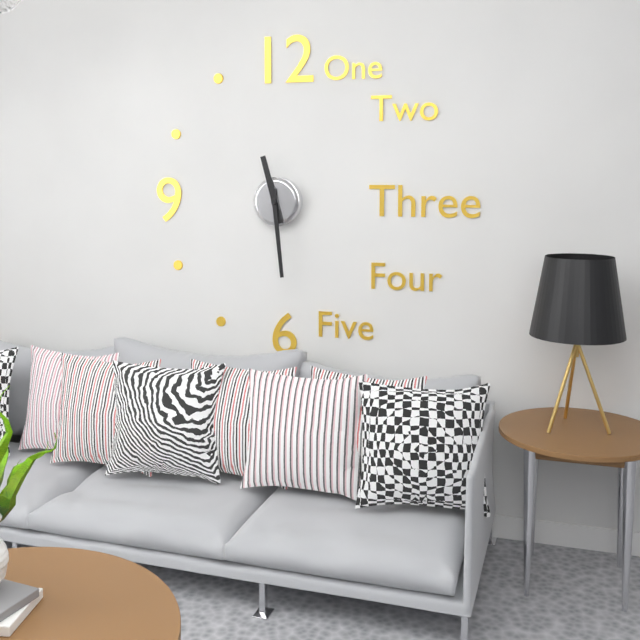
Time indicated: 11:29
